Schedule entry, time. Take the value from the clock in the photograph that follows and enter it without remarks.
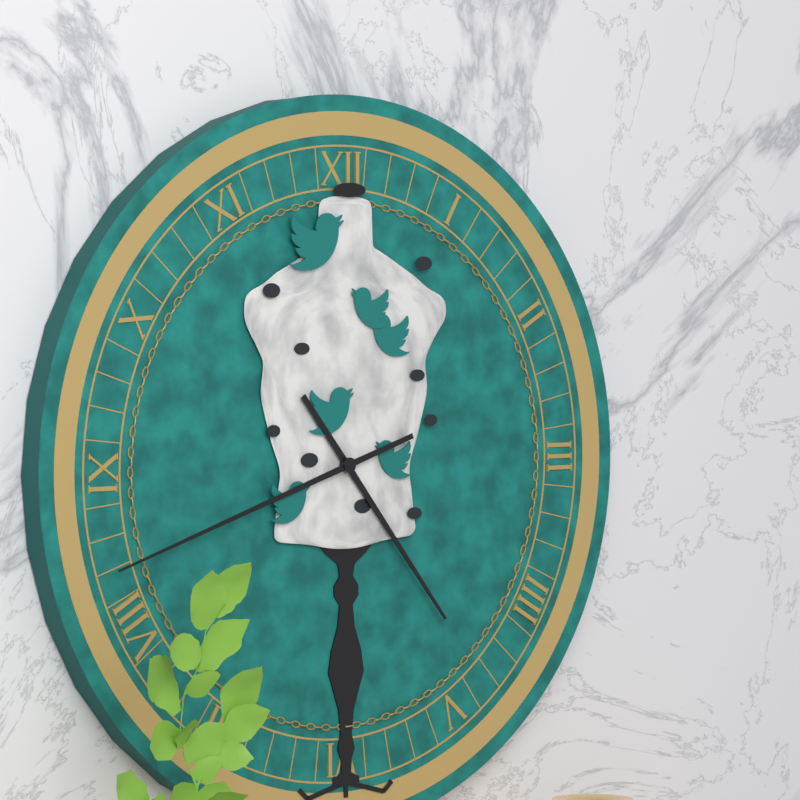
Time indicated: 4:42
